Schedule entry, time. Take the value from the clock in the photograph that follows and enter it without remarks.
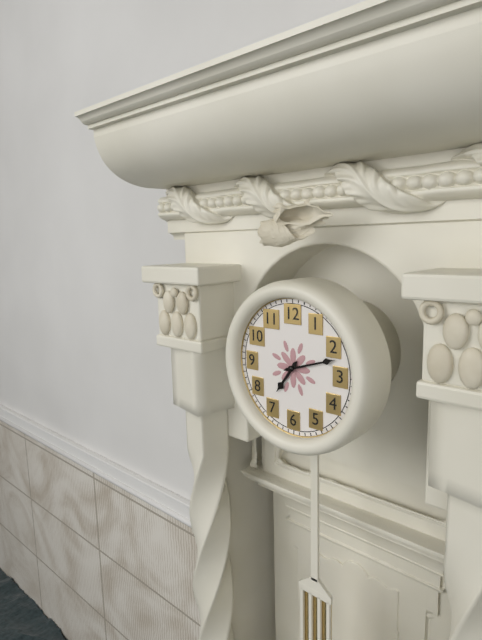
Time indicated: 7:12
